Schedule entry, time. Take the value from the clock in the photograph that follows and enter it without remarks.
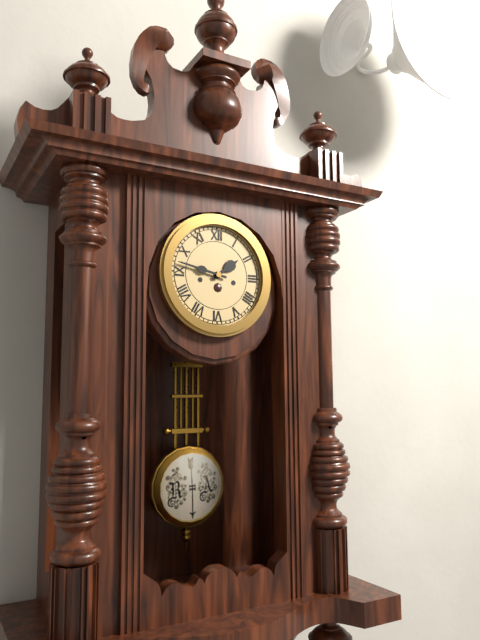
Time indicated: 1:47
